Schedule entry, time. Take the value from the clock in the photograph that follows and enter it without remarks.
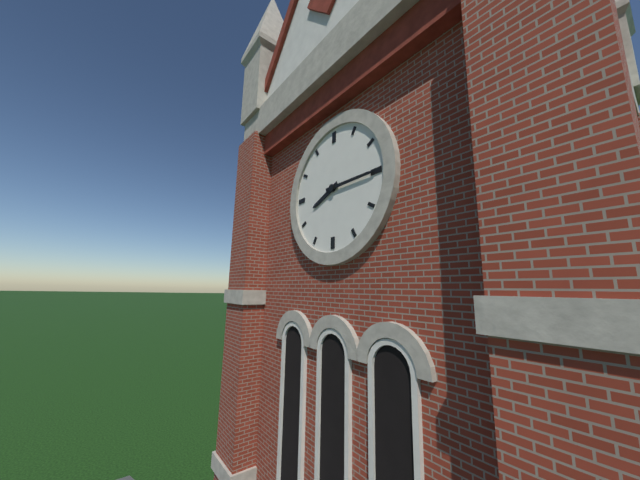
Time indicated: 8:15
